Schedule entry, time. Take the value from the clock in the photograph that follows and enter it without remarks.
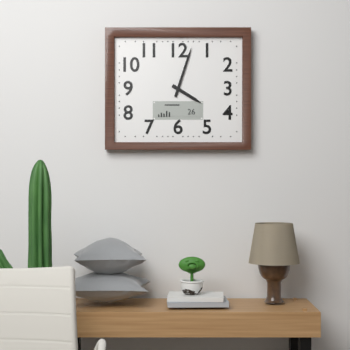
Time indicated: 4:03
